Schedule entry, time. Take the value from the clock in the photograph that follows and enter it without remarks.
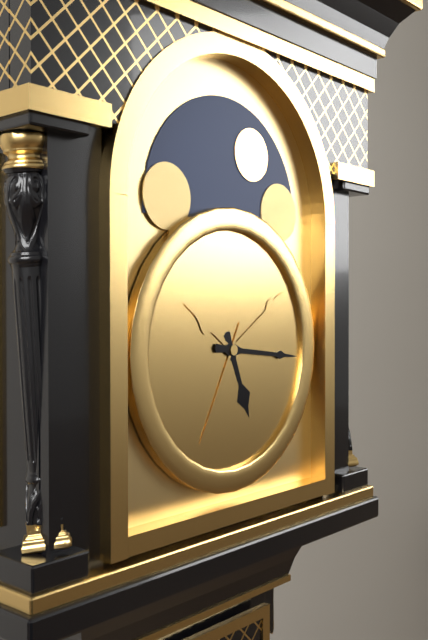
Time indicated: 5:16
